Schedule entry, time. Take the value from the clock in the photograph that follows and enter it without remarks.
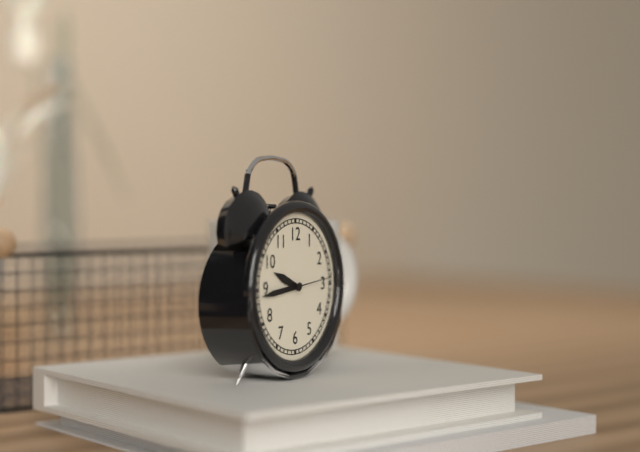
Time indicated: 9:44
